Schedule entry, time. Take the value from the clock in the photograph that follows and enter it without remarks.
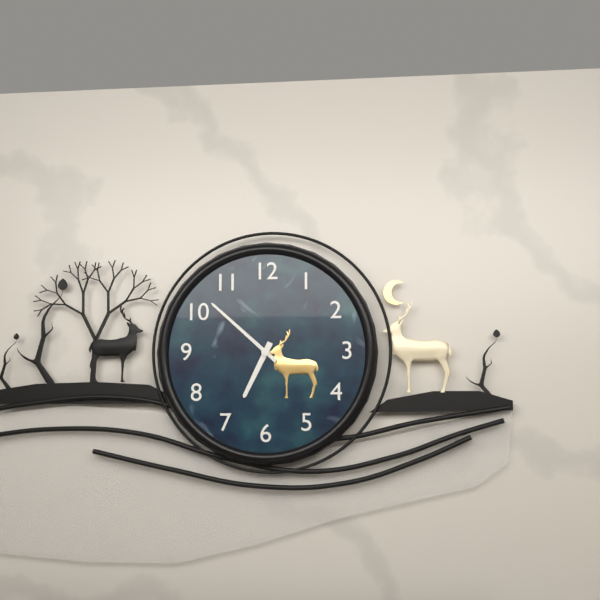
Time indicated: 6:52
